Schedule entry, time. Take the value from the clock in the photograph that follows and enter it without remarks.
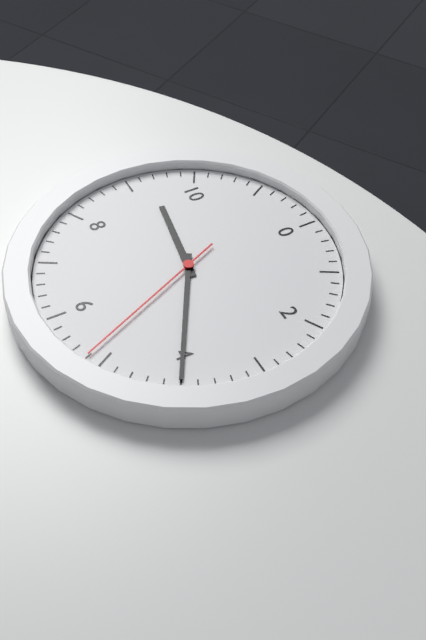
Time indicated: 9:20:26
